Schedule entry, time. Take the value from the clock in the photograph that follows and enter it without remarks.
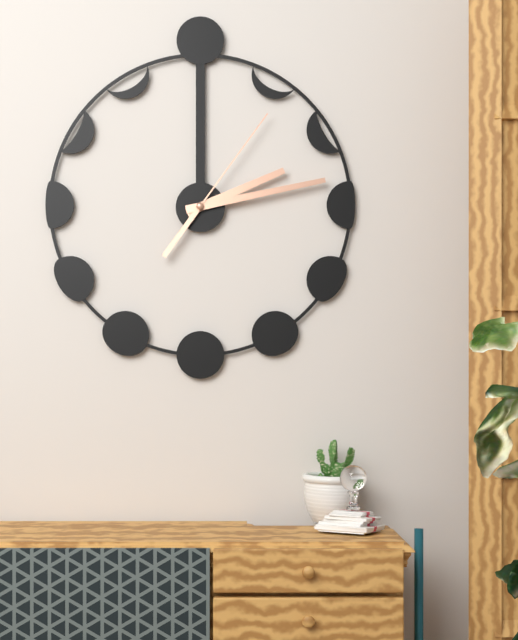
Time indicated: 2:13:06
